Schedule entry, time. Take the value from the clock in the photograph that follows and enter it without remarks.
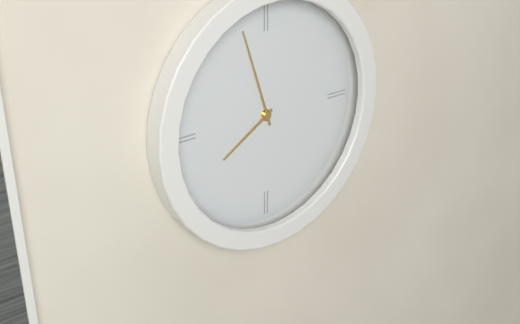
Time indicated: 7:57
